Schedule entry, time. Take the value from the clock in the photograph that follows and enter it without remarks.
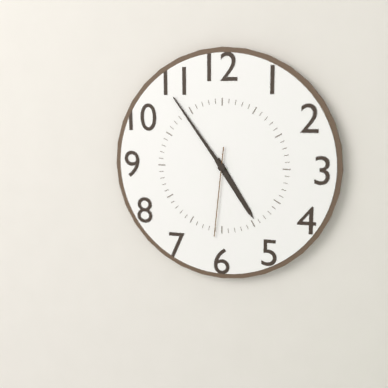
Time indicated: 4:54:31
